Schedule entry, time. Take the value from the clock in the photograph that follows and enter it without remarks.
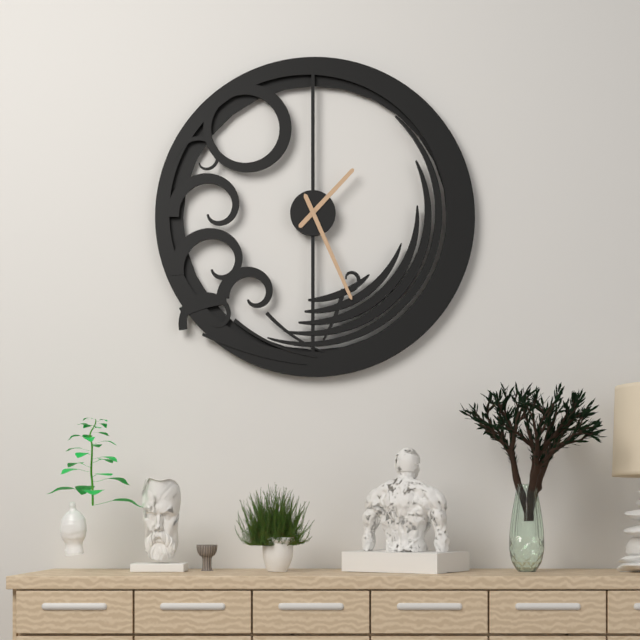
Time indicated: 1:26
